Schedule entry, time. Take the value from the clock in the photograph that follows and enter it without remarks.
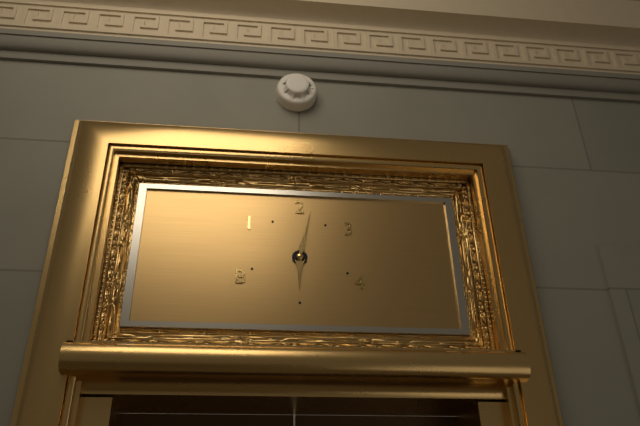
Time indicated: 6:02
